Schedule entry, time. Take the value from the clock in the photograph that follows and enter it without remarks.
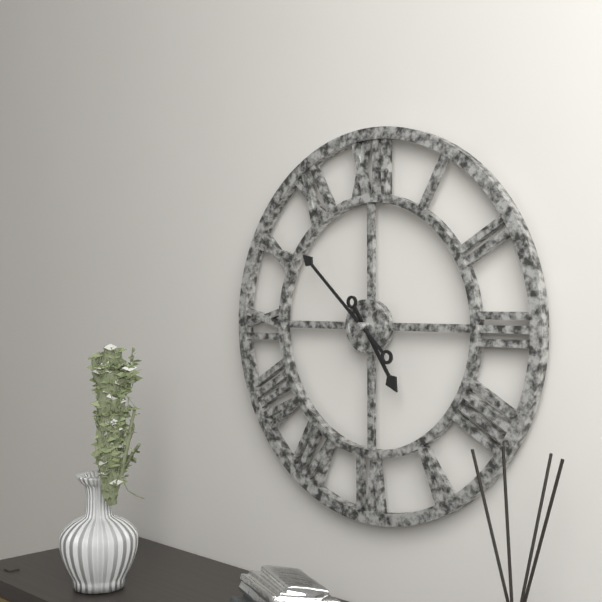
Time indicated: 4:52
